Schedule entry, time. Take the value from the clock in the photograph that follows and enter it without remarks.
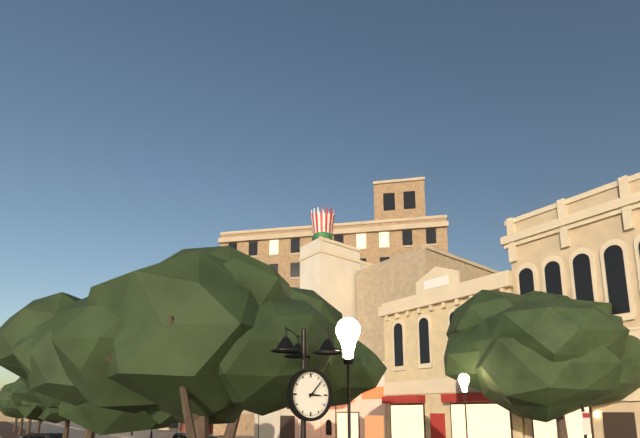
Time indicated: 3:07
